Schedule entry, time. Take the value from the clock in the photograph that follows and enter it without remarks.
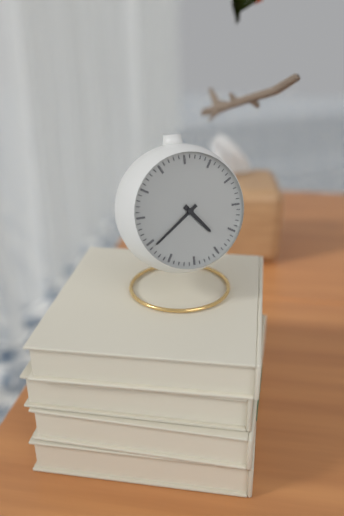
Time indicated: 4:39
